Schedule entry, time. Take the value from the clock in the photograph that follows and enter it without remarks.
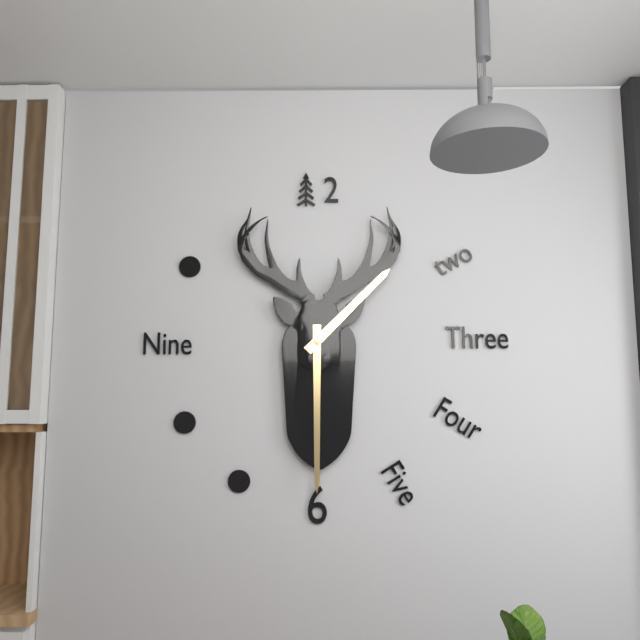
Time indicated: 1:30
